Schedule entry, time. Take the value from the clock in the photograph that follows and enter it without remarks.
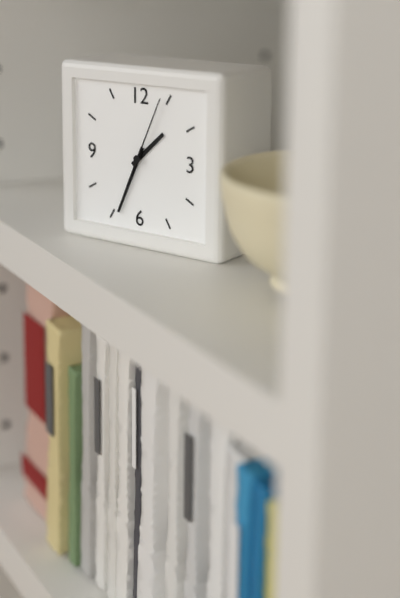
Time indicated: 1:34:04
